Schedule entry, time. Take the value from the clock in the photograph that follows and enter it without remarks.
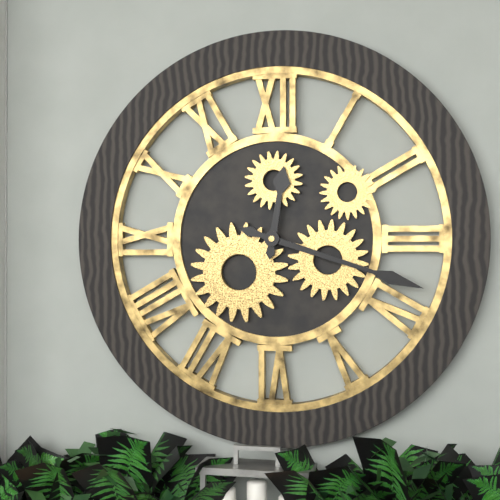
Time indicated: 12:18
